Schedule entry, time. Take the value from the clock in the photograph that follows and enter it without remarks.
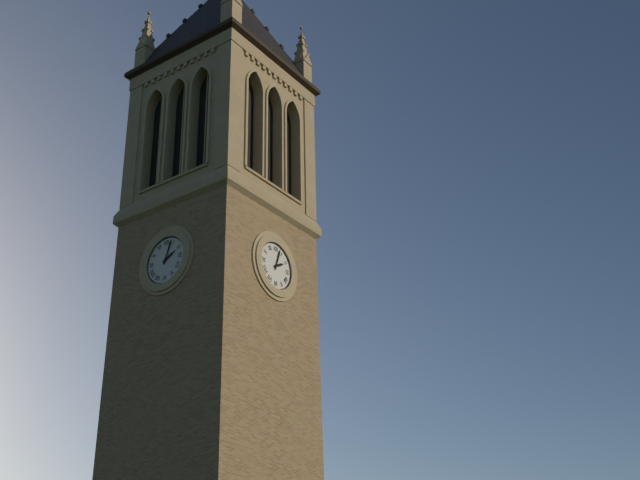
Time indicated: 2:03
